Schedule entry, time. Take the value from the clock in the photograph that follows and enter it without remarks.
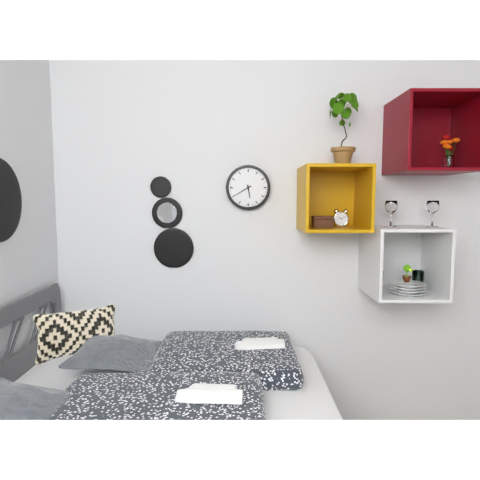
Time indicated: 5:40
